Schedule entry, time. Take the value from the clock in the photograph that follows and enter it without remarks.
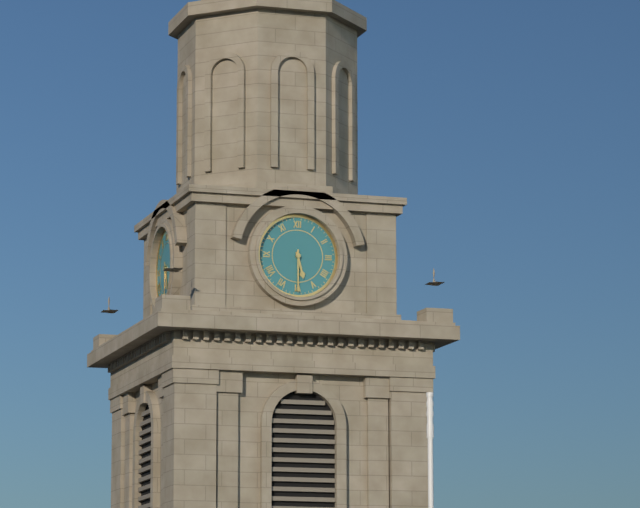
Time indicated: 5:30
